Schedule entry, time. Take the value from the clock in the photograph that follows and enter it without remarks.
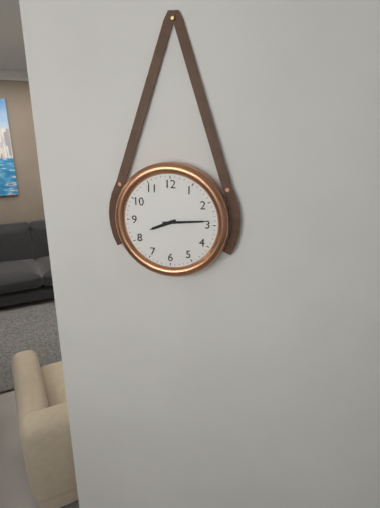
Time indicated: 8:14
